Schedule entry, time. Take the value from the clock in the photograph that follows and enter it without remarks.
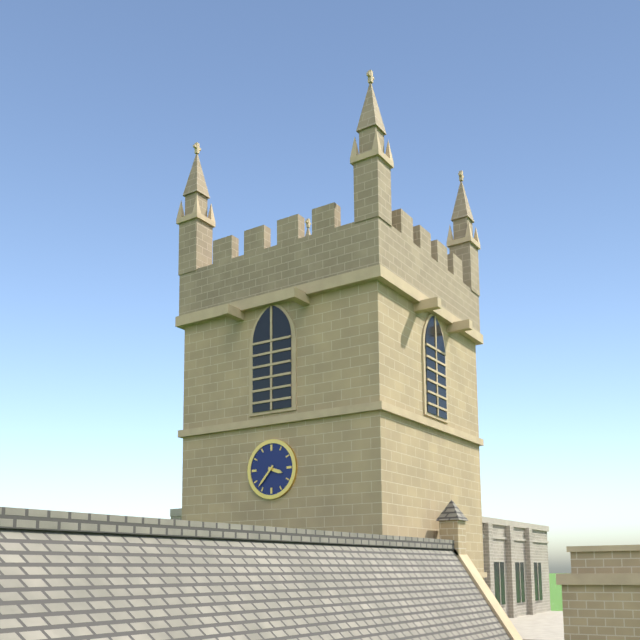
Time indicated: 3:37
